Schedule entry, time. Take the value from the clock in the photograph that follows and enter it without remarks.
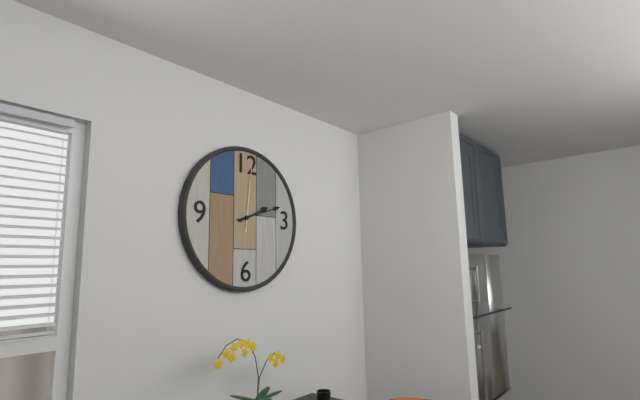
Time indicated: 2:12:01
